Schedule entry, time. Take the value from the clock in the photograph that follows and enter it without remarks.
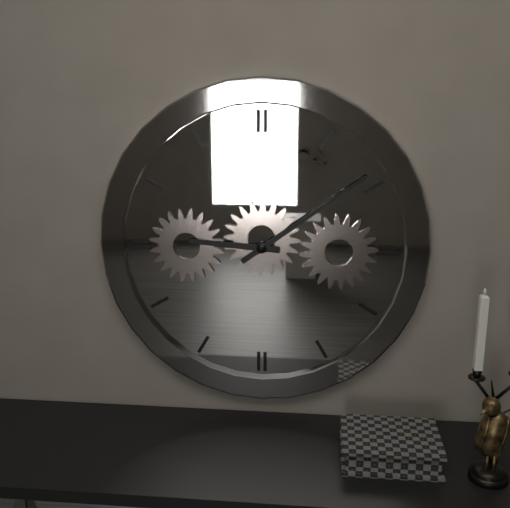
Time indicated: 9:09
